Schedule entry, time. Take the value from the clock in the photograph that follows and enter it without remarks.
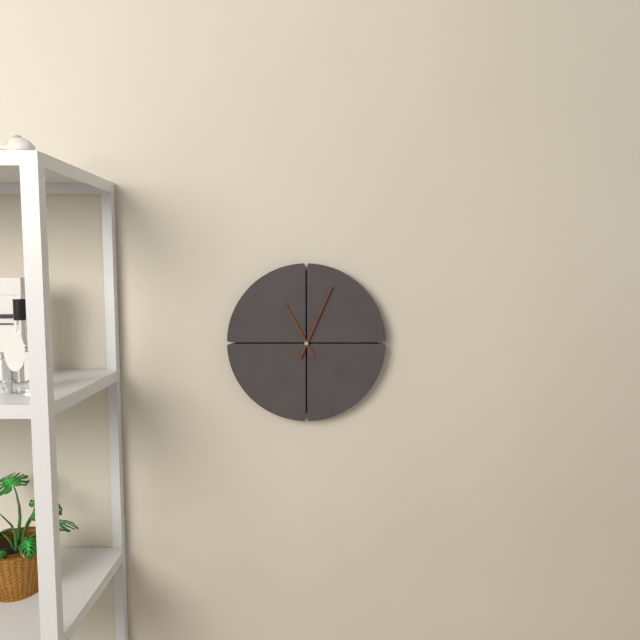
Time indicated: 11:04
